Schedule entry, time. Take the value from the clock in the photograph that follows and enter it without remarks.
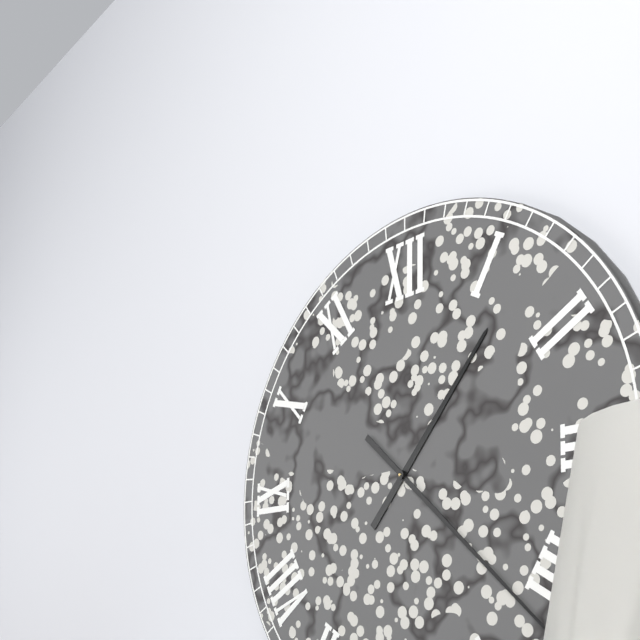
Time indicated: 1:22
